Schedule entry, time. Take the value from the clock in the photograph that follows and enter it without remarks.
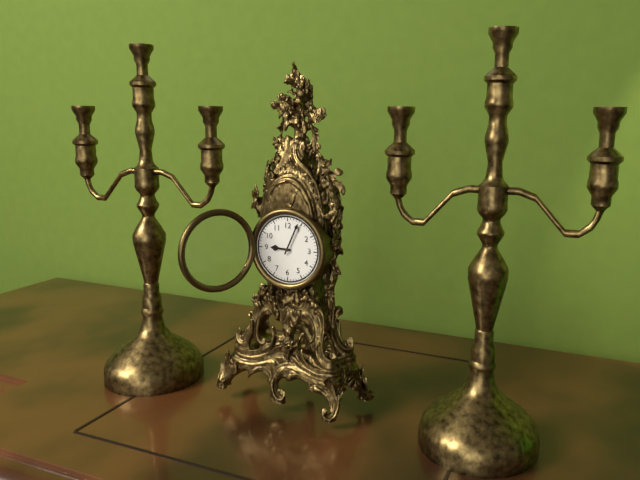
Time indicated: 9:04
